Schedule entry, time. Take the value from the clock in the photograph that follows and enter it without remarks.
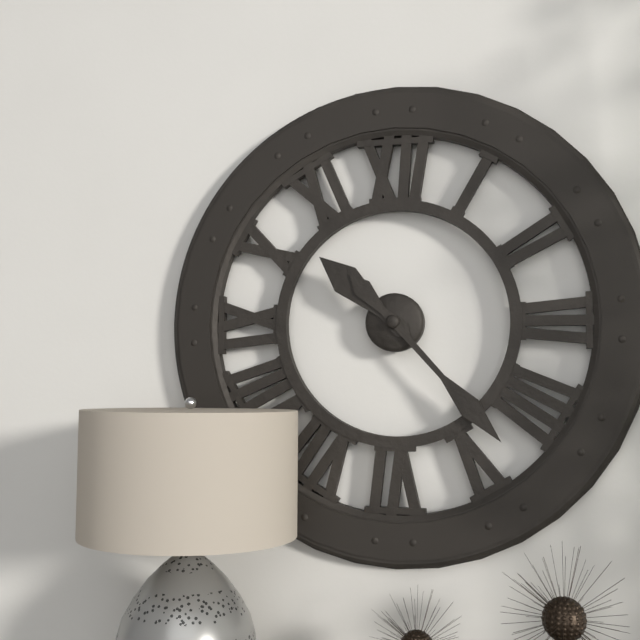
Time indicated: 10:23
